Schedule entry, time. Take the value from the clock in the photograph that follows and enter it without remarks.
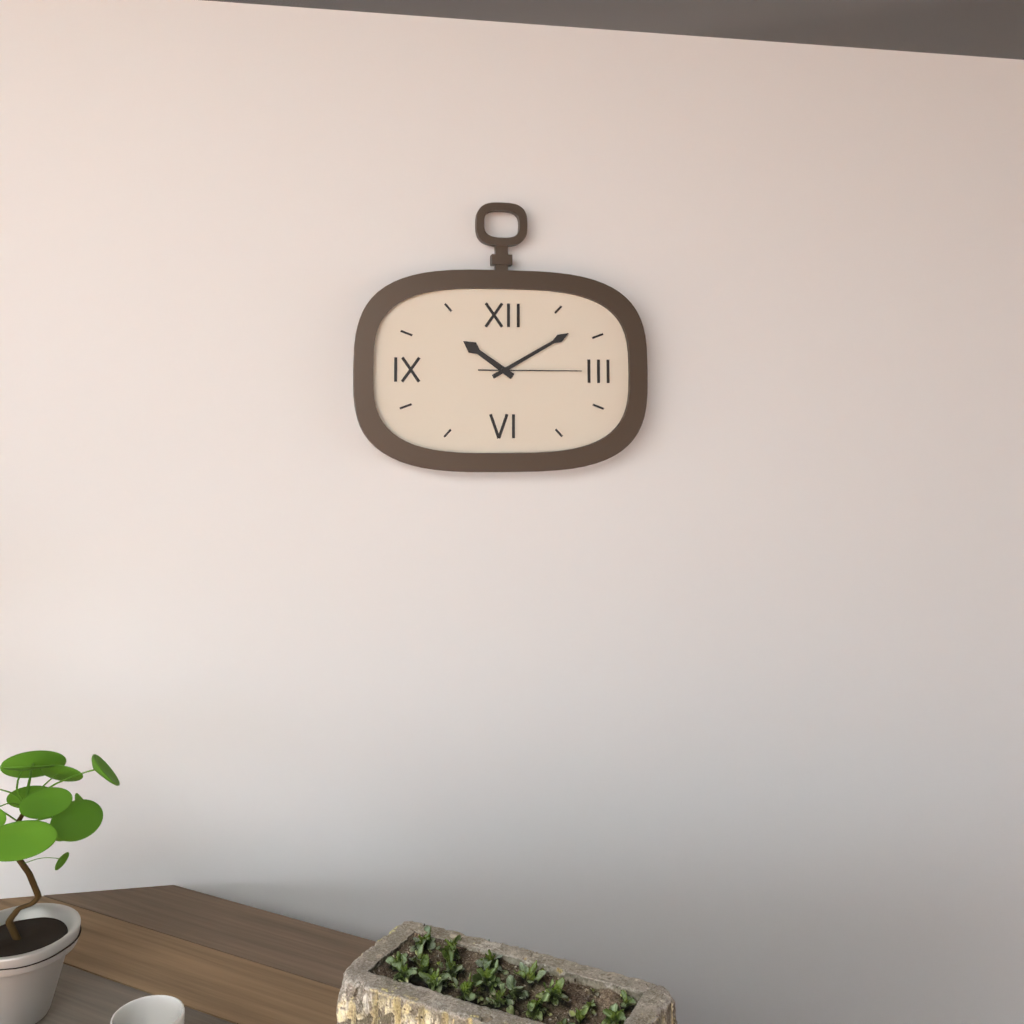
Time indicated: 10:10:15
